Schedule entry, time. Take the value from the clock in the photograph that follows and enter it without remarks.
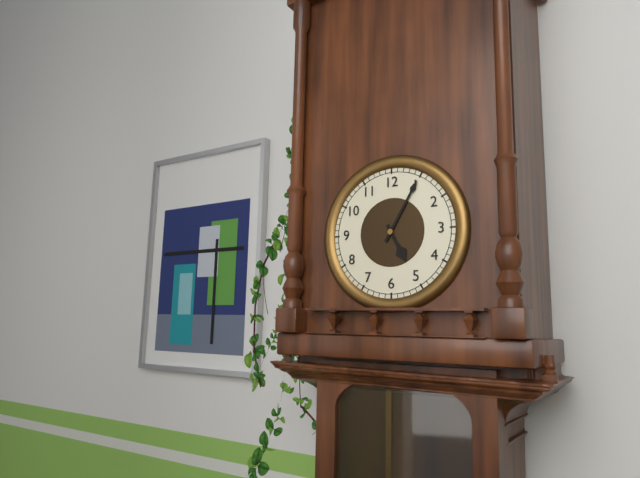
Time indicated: 5:05
